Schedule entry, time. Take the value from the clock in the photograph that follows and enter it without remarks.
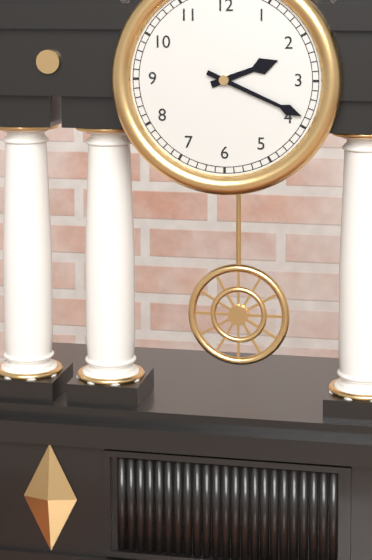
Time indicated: 2:19
